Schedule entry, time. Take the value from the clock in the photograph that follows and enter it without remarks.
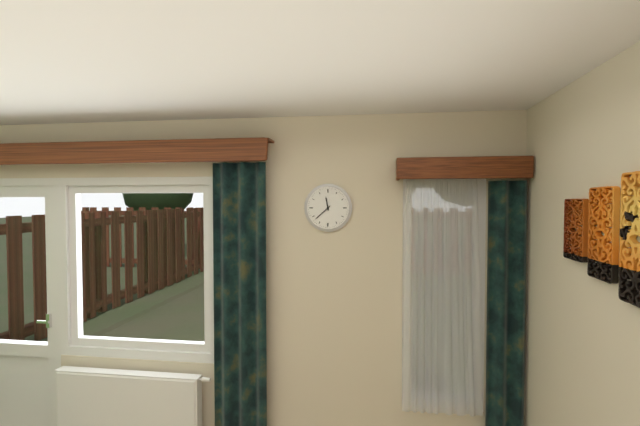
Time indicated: 11:38
